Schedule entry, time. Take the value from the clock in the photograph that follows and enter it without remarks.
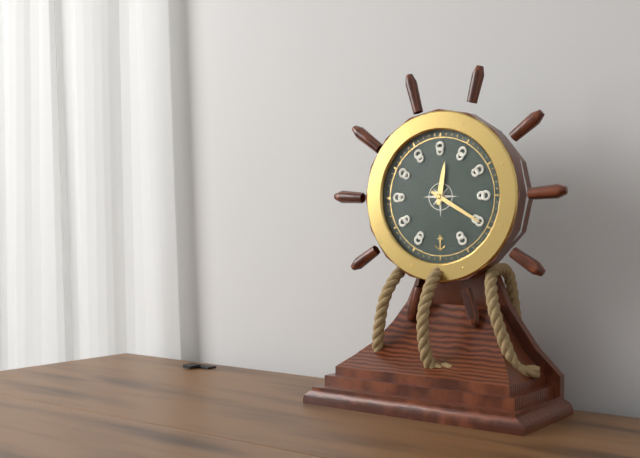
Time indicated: 12:20
